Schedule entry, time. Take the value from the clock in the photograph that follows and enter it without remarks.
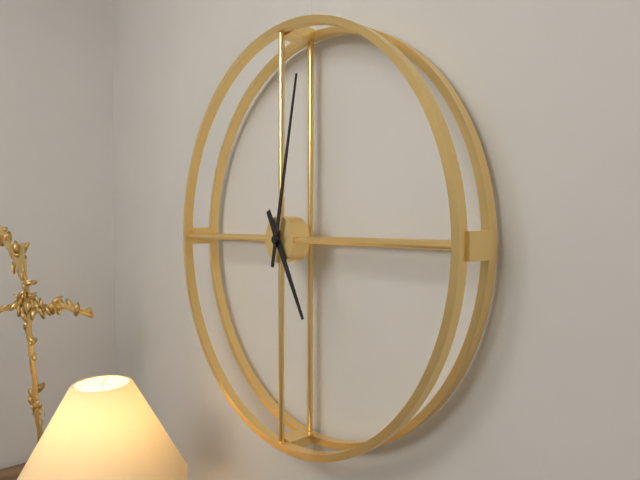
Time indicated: 5:02
